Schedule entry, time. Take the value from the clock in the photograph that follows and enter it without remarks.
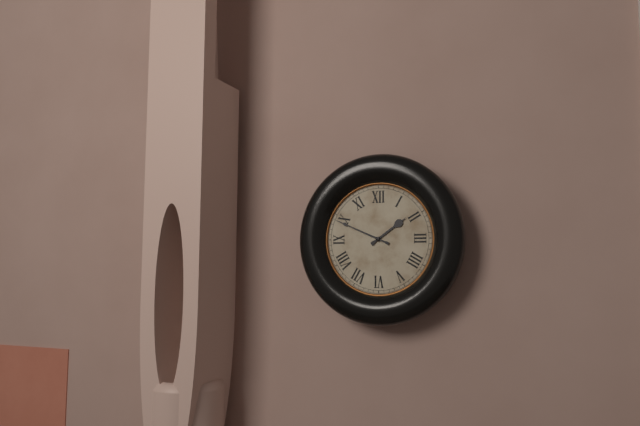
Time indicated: 1:49
